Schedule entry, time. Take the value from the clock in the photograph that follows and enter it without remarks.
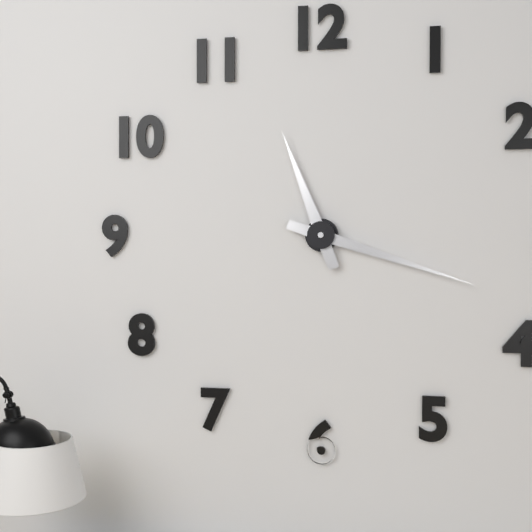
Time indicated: 11:18
